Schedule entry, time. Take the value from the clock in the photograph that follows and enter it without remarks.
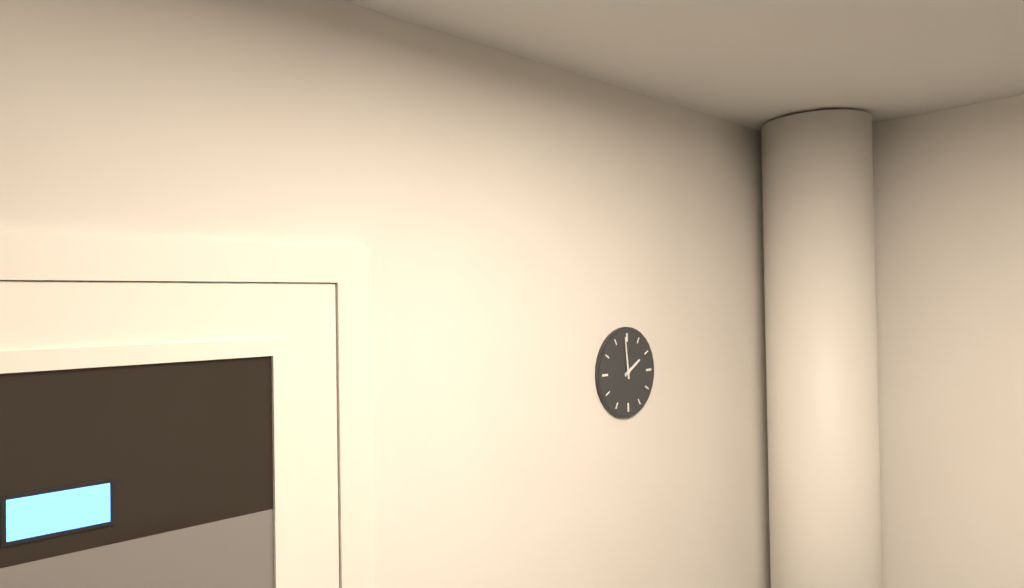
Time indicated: 1:59
